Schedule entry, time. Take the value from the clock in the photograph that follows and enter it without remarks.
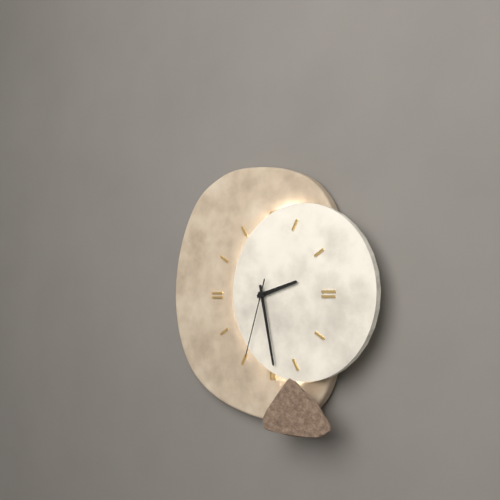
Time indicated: 2:28:33
